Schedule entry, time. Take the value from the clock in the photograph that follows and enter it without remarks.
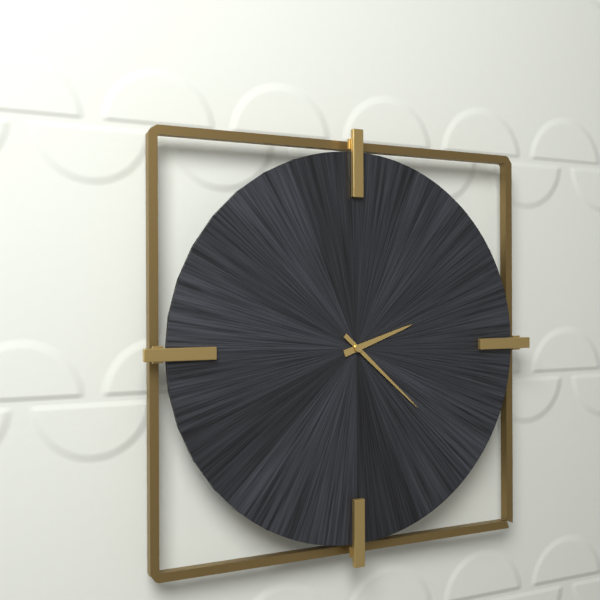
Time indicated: 2:22
